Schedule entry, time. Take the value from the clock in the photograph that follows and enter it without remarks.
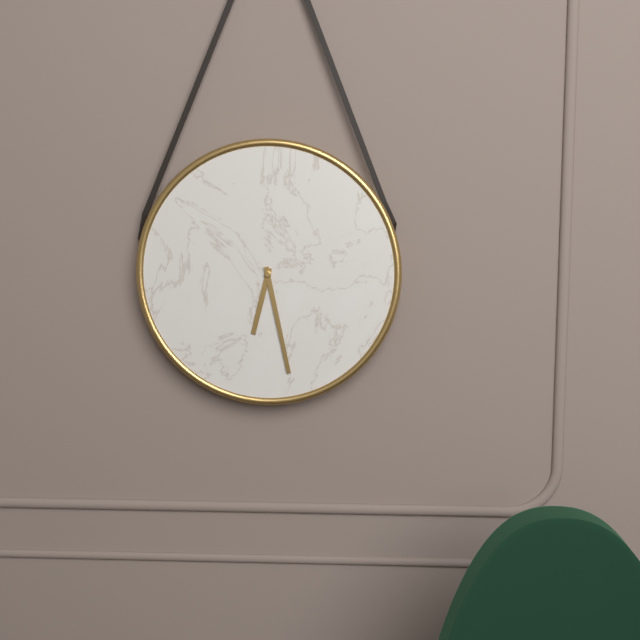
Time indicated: 6:28
